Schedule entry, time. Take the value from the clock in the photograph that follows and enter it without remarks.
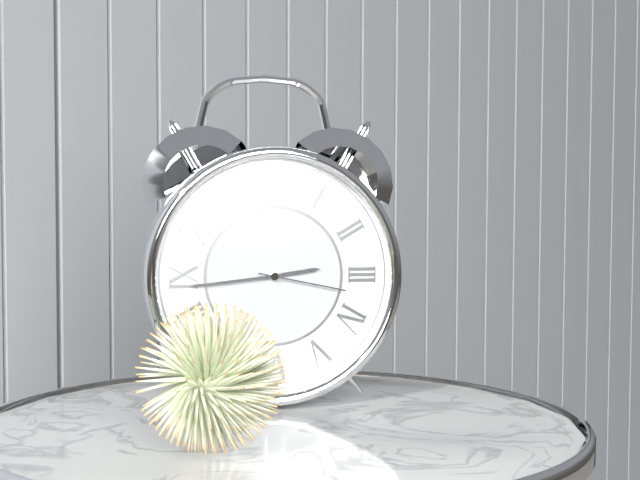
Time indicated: 2:44:17
